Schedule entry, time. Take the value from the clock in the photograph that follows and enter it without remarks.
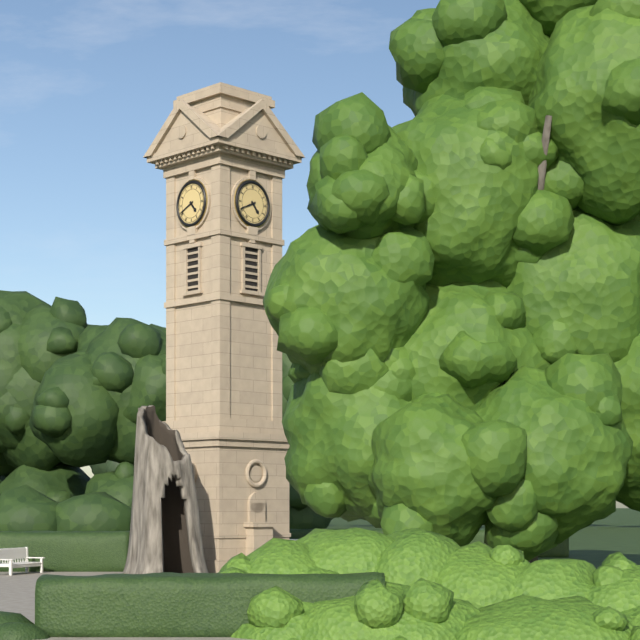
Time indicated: 4:41
